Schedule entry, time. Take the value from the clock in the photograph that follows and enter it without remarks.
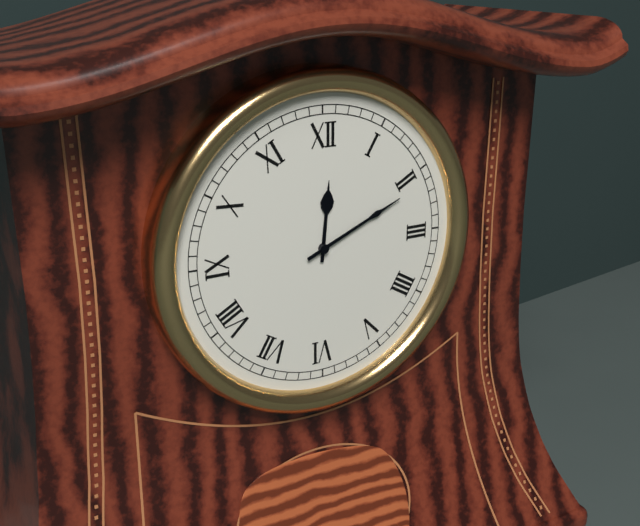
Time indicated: 12:11
